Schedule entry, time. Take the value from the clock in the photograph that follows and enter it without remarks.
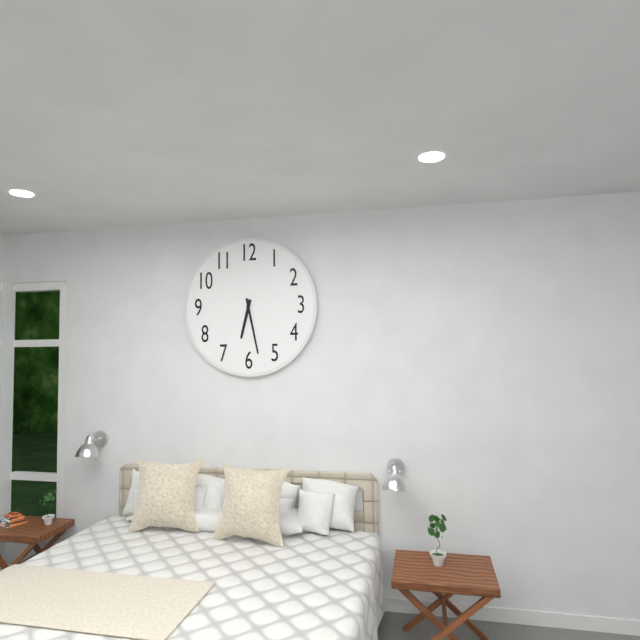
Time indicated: 6:28
